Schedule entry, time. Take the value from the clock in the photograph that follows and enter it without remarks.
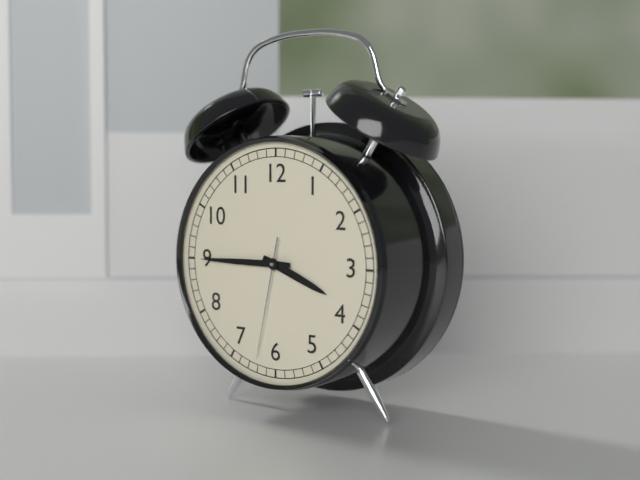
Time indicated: 3:45:32
